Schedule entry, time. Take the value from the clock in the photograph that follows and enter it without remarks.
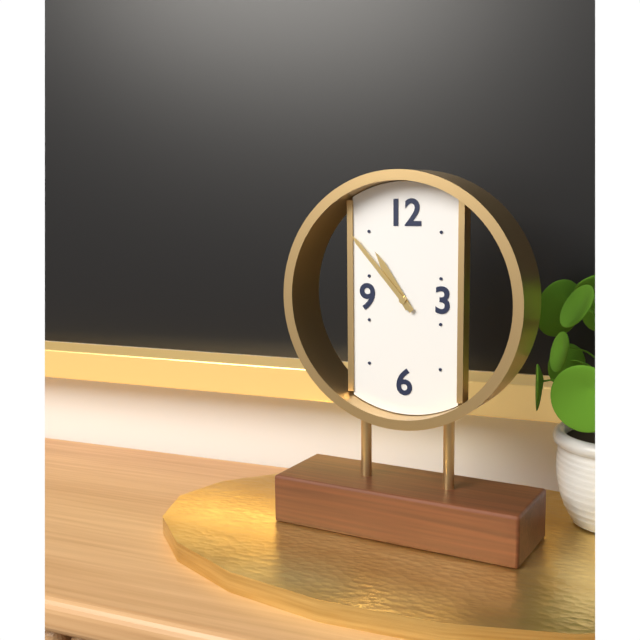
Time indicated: 10:53
